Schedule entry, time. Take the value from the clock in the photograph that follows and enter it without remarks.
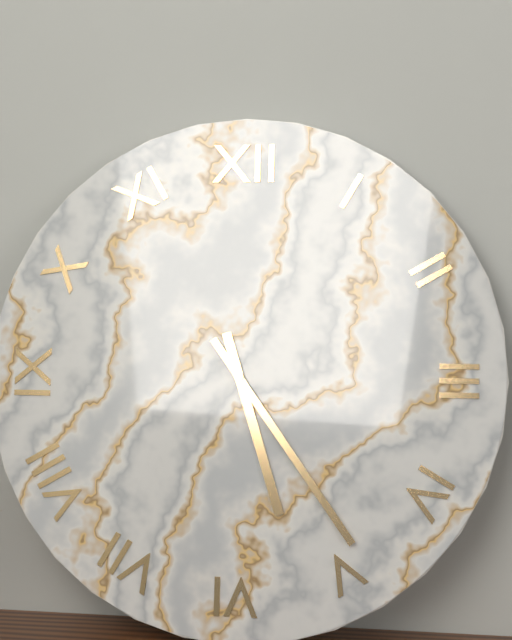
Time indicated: 5:24
